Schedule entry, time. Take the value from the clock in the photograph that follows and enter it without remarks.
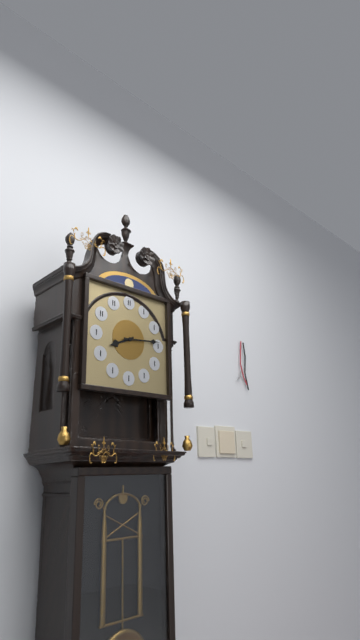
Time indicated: 8:14
